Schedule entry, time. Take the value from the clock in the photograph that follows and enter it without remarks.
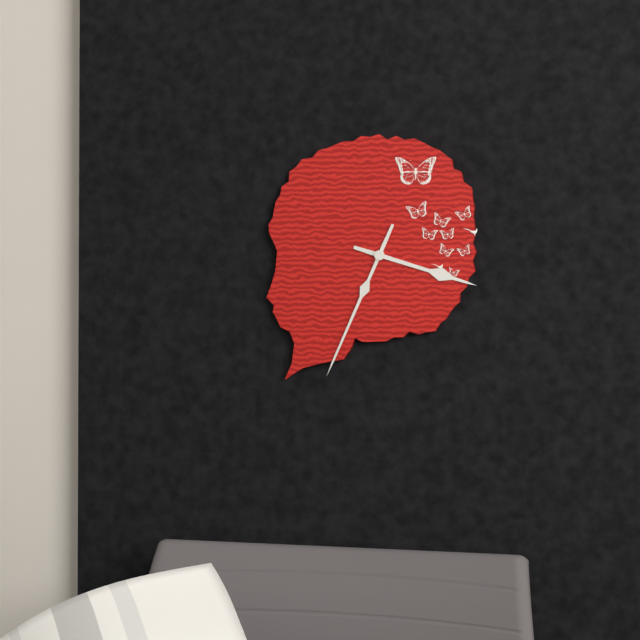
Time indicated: 3:34
